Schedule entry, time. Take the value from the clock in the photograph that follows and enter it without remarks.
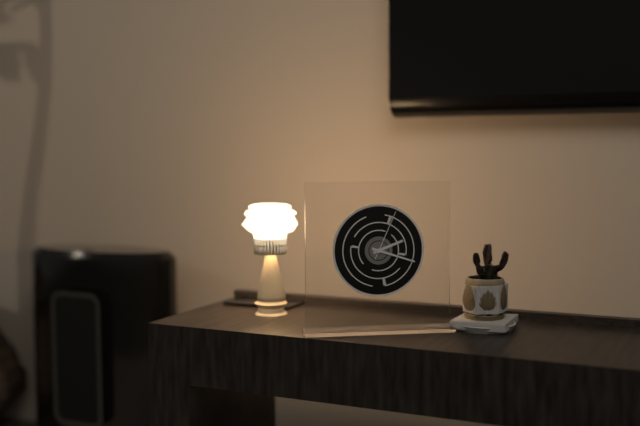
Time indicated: 2:18:04
